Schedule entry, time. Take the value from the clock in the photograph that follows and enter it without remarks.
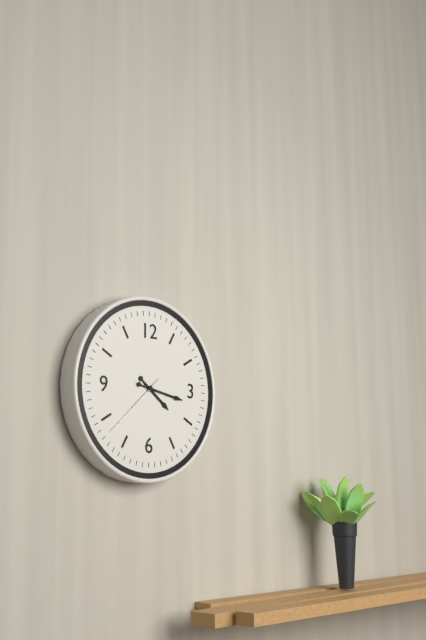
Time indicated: 4:17:38
